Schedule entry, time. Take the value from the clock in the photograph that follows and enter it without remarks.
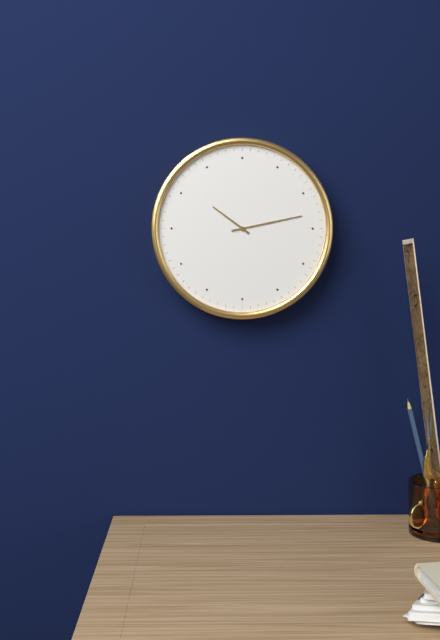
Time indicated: 10:13
